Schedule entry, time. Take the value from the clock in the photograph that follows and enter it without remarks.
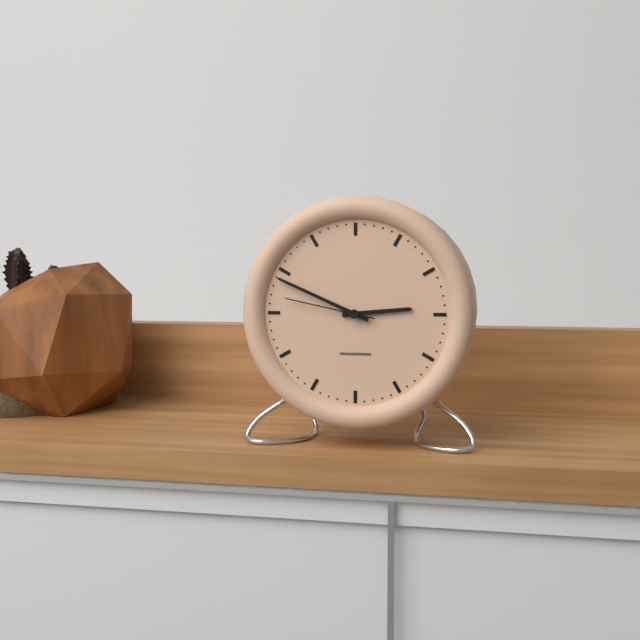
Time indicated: 2:49:47
